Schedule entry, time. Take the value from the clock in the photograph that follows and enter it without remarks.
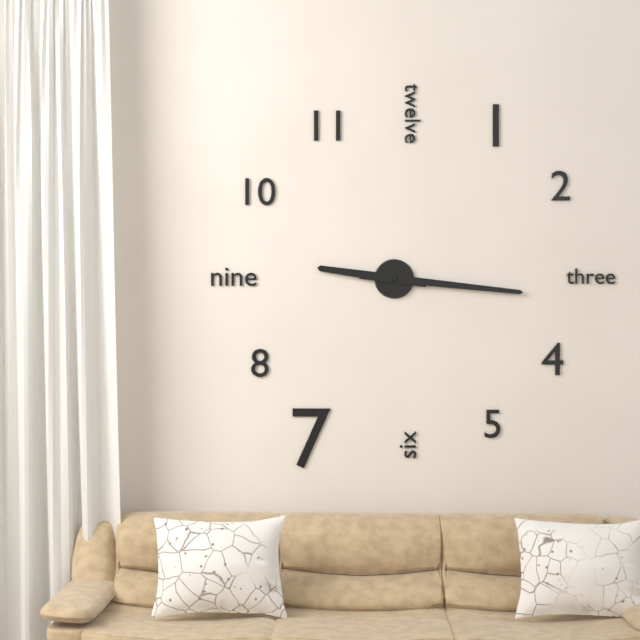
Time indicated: 9:16
